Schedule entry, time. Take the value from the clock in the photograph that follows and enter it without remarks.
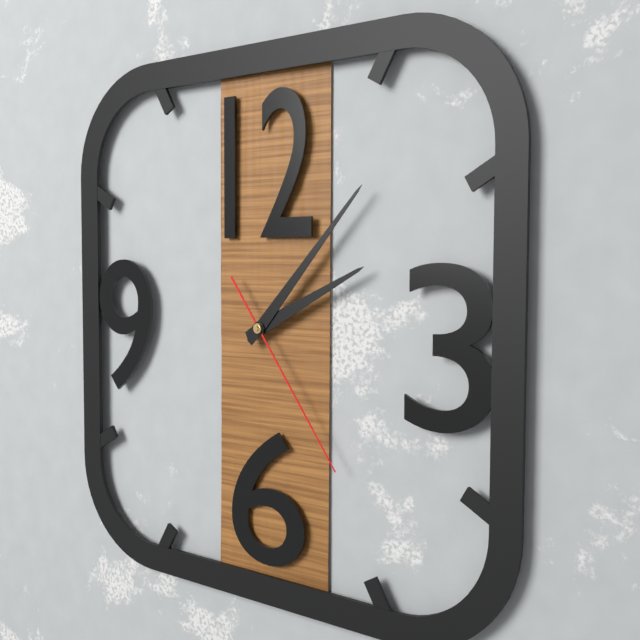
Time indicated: 2:07:24
